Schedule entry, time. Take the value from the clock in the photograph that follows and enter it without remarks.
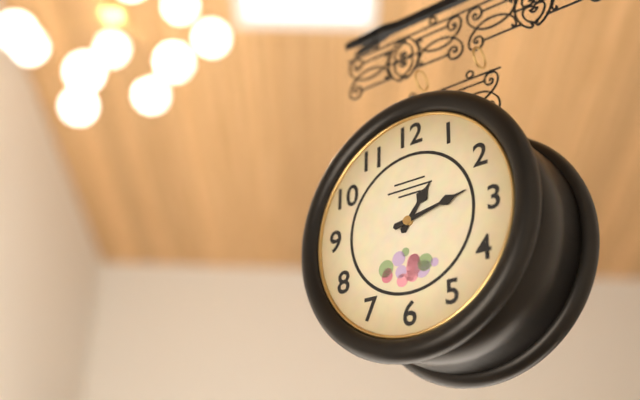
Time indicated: 1:13
